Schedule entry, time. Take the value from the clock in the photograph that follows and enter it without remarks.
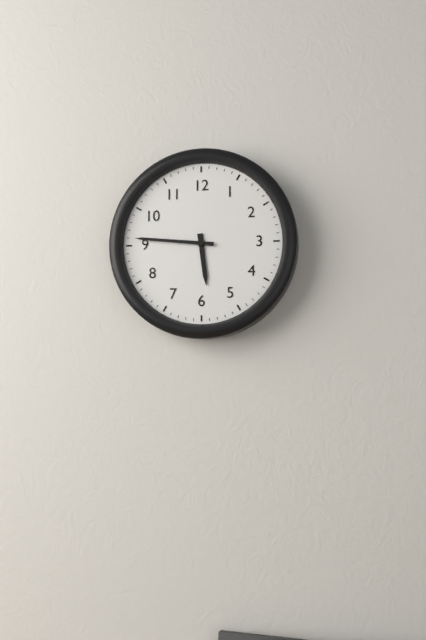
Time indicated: 5:46
